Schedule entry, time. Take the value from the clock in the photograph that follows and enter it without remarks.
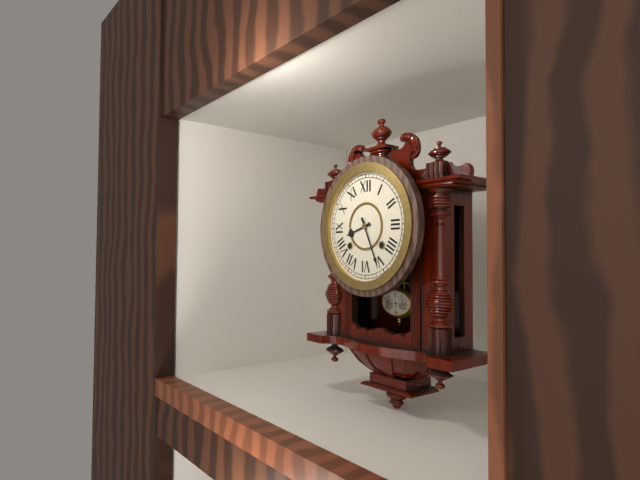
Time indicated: 8:26
